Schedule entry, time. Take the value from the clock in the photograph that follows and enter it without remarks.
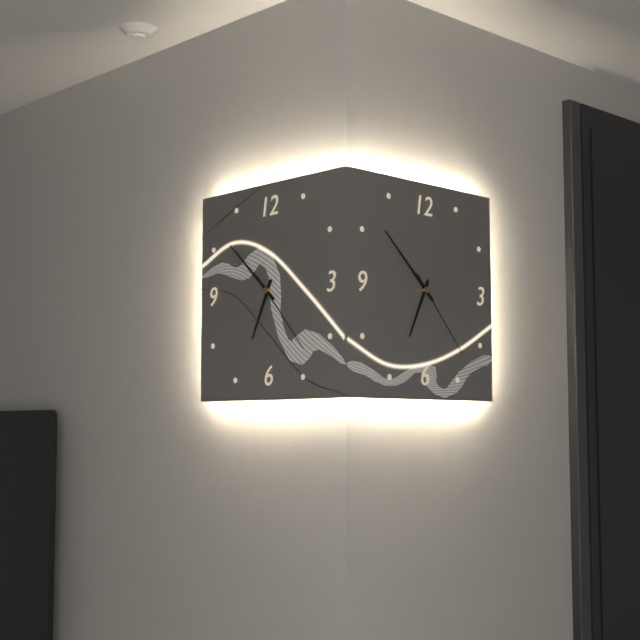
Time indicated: 6:52:23
